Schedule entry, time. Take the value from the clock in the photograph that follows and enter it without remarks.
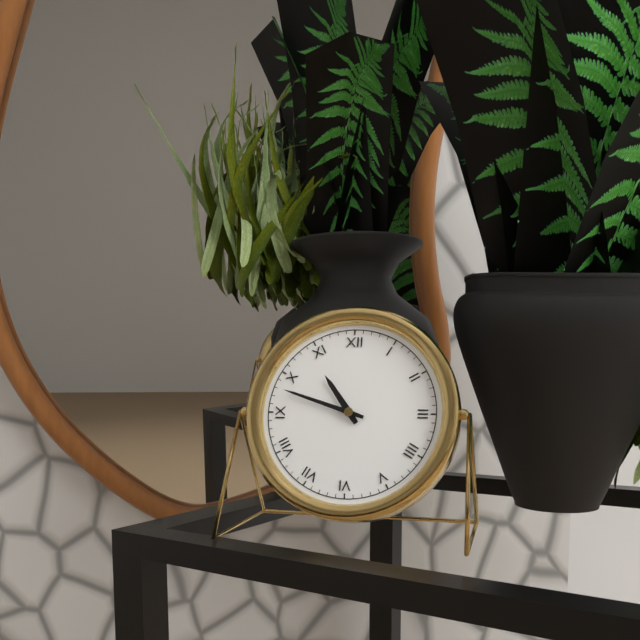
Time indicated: 10:48
